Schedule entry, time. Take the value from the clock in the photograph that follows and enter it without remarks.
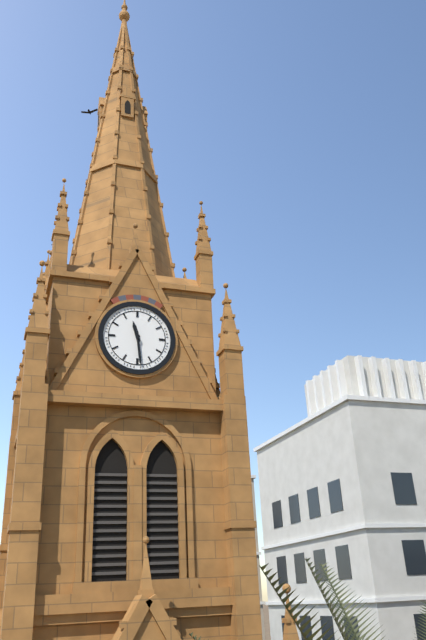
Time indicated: 11:29
